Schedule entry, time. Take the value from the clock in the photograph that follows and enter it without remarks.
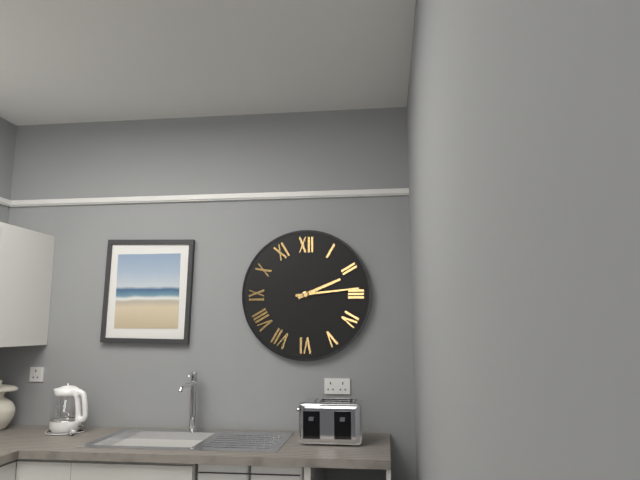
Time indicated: 2:14
